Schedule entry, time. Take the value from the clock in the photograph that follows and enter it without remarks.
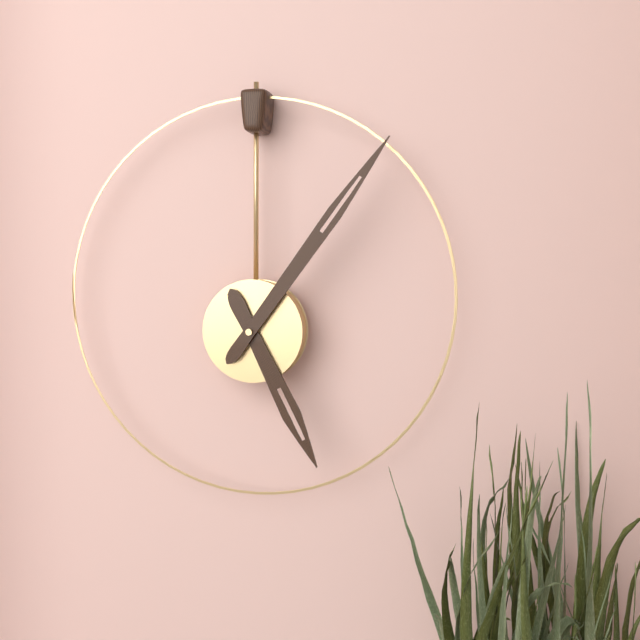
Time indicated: 5:06
